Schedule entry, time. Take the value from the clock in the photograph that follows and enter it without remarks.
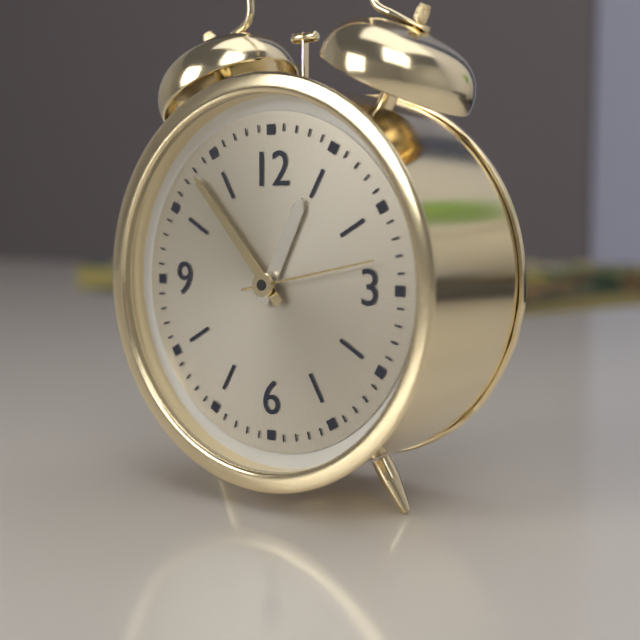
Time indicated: 12:53:13
